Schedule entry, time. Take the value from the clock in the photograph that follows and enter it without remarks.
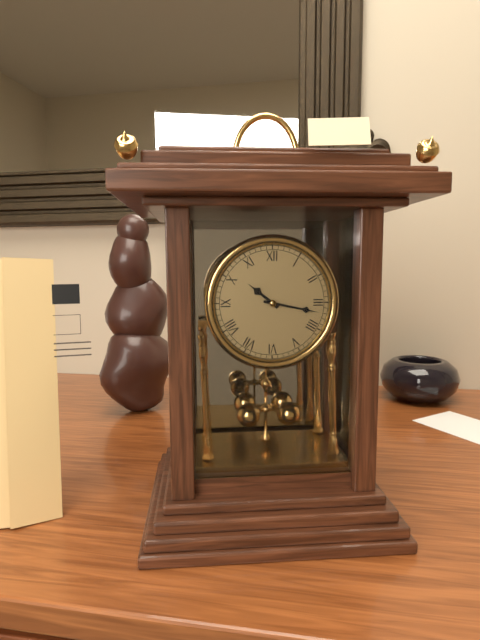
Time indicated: 10:17
